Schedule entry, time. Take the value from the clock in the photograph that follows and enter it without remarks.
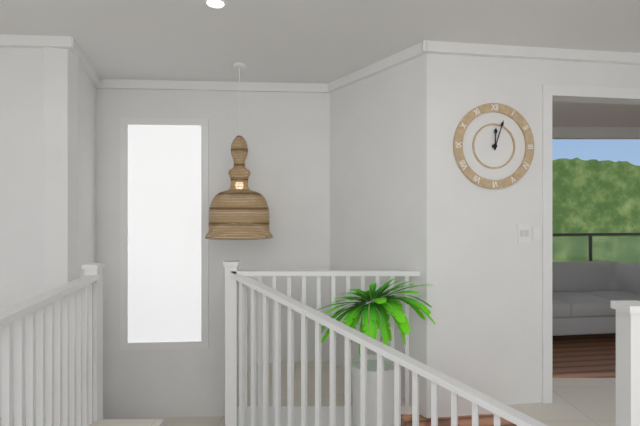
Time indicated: 12:03
